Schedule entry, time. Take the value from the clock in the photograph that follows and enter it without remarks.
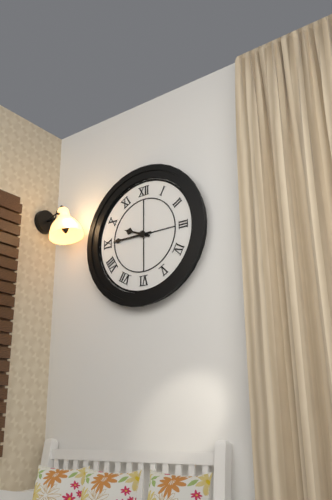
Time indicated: 9:45
